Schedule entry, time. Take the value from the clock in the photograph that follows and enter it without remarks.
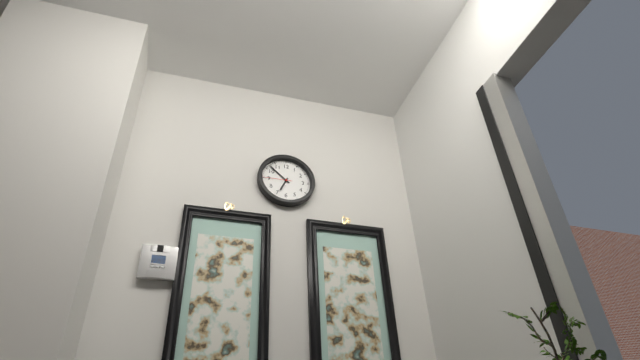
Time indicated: 6:52
